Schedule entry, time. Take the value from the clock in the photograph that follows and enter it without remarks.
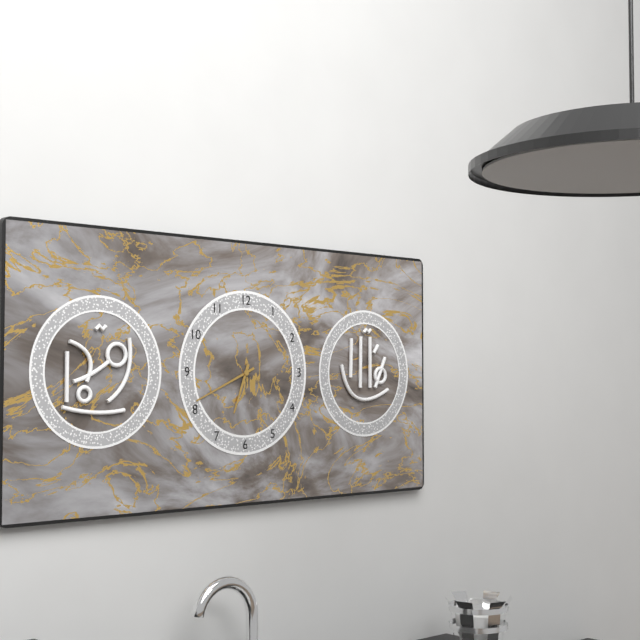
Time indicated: 6:41
